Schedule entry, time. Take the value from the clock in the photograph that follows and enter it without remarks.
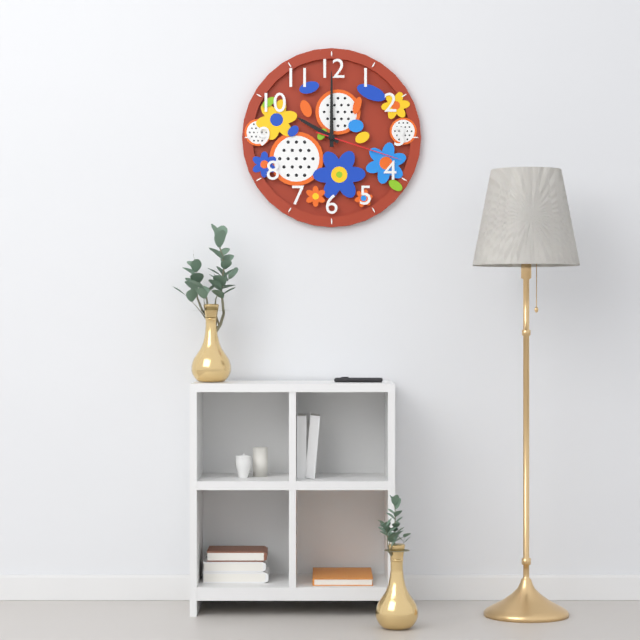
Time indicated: 10:00:18
